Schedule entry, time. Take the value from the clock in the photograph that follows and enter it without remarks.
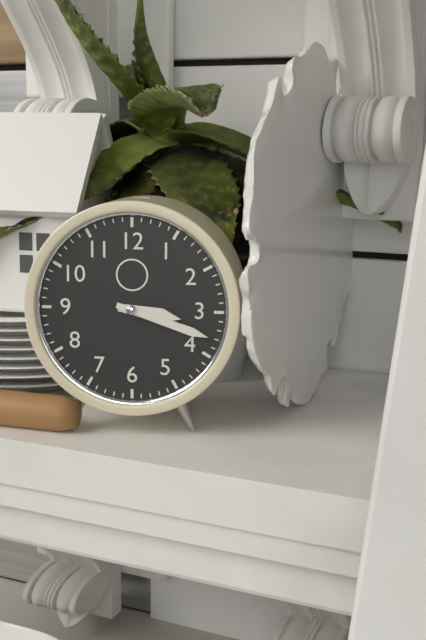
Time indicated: 3:18
